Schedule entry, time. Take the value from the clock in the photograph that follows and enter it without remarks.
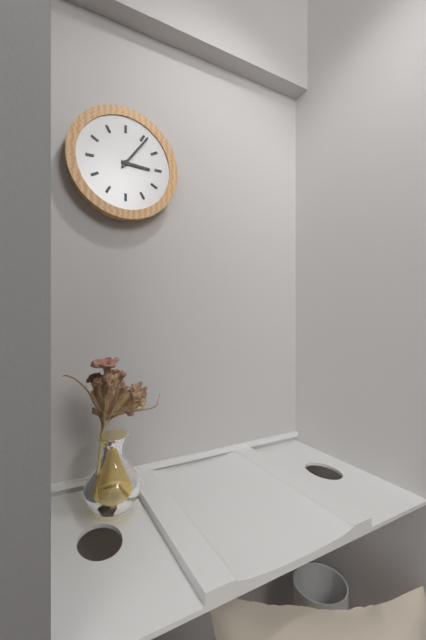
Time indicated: 3:06
